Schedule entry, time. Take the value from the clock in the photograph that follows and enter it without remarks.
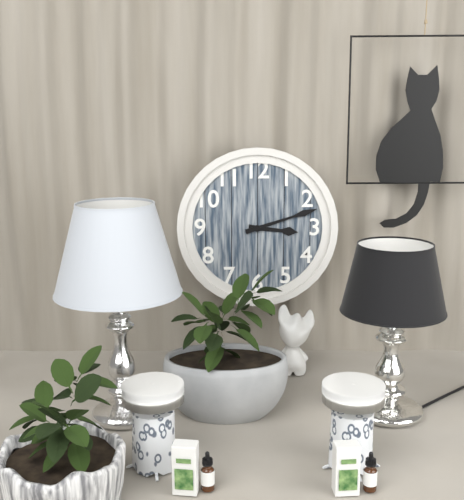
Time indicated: 3:12
